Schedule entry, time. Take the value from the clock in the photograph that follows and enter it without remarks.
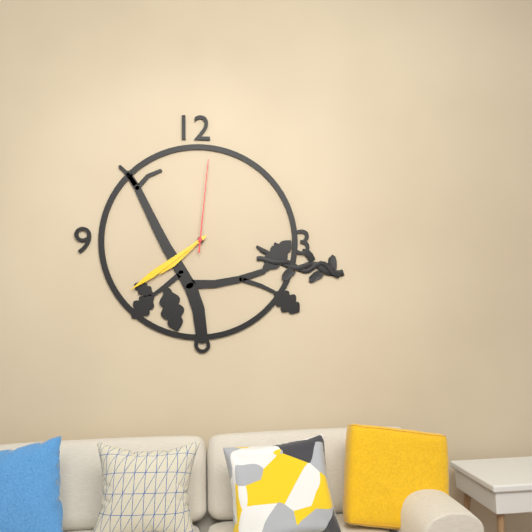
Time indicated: 7:39:01
